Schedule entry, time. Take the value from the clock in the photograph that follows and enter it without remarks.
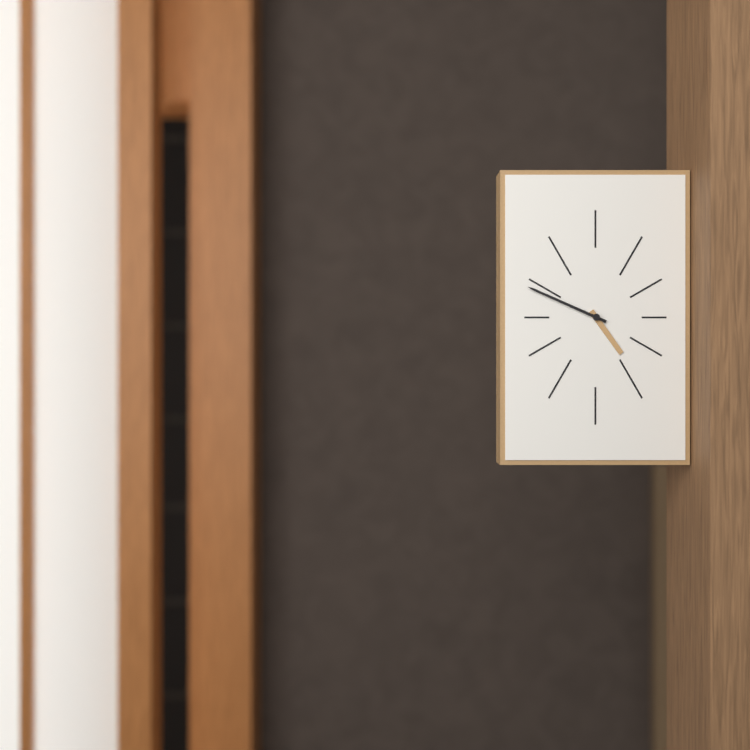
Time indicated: 4:49
